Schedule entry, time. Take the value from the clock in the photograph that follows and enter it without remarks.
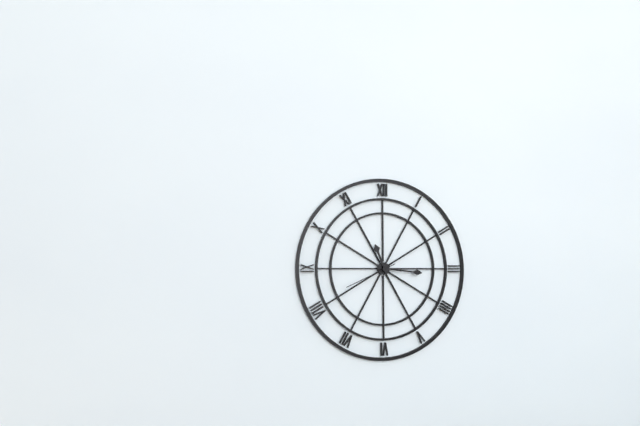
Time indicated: 11:16:41
